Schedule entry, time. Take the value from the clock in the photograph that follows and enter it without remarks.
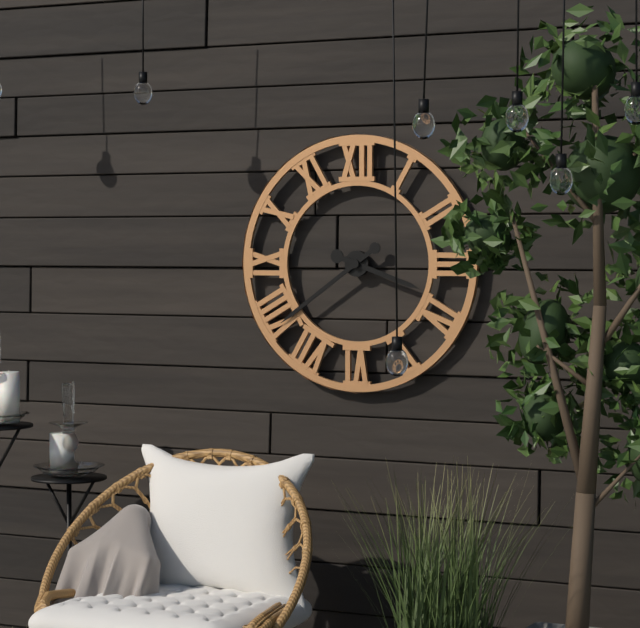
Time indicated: 3:39
